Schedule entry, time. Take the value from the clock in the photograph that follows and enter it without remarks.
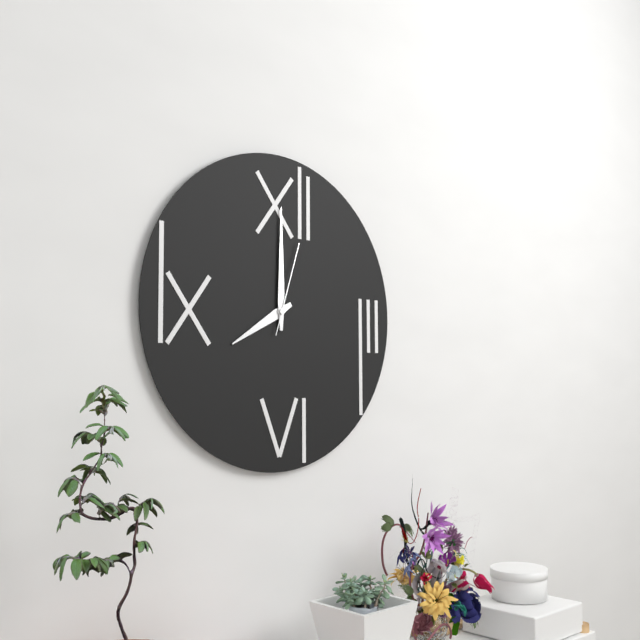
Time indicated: 8:00:03
